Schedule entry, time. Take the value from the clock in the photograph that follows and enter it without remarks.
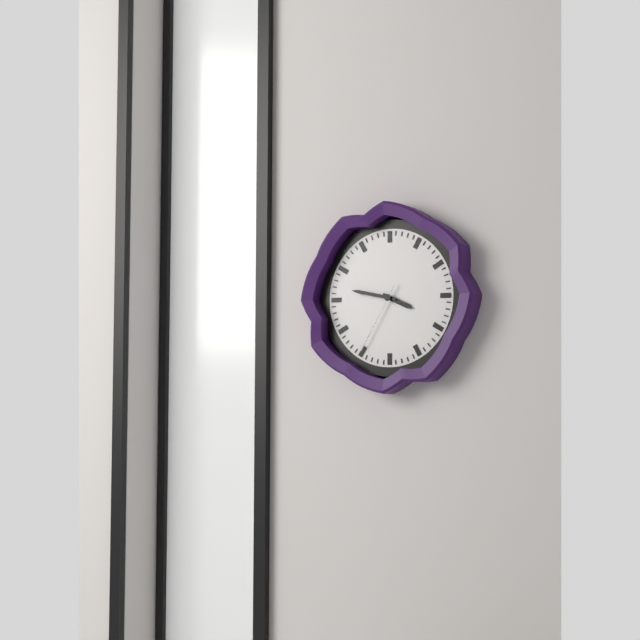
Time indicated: 3:47:35
